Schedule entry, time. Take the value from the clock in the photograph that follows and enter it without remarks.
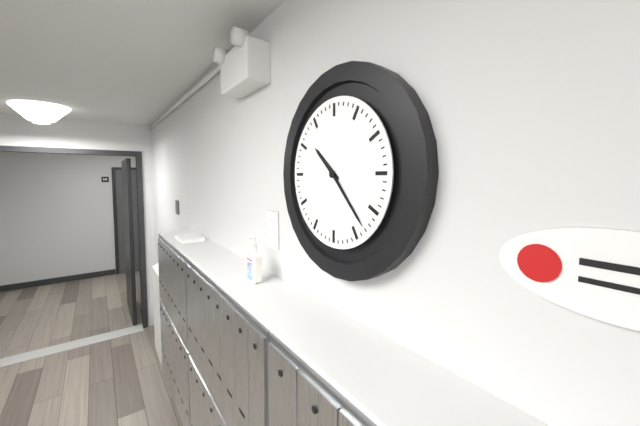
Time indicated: 10:23
